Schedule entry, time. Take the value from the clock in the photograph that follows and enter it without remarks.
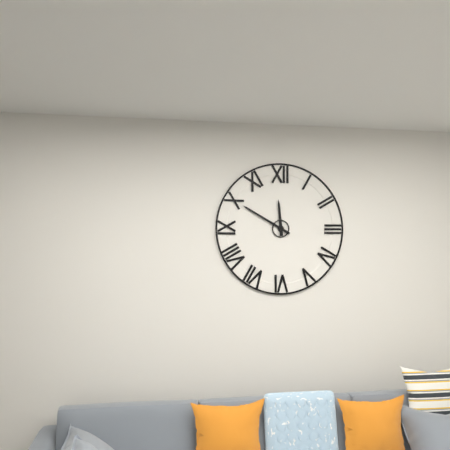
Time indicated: 11:50
